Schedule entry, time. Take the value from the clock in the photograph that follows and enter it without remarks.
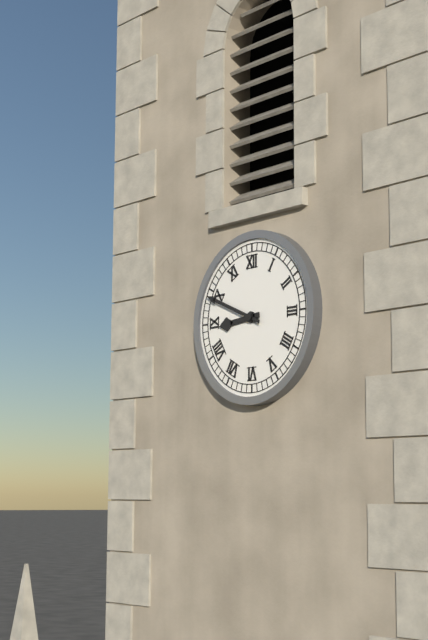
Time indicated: 8:49
